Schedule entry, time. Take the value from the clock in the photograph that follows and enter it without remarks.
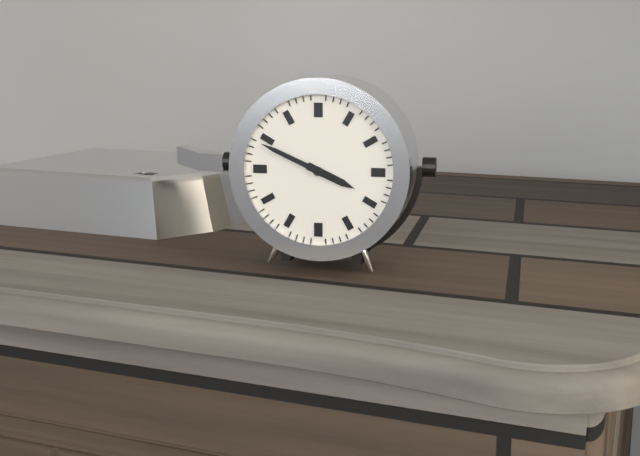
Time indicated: 3:49
